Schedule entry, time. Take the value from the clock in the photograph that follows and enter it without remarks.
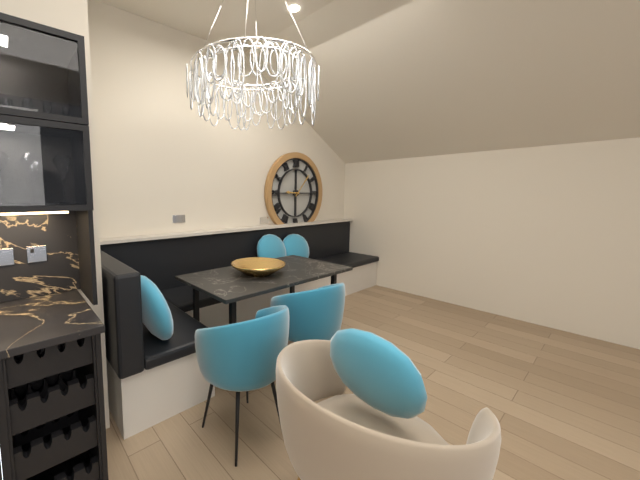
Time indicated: 9:07
